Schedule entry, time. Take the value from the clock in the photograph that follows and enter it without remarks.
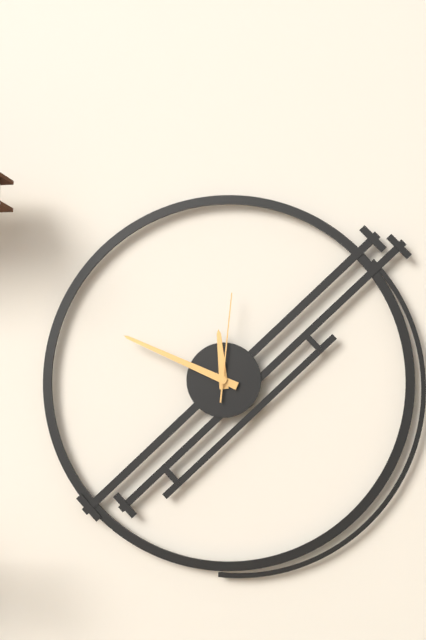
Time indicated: 11:49:01
